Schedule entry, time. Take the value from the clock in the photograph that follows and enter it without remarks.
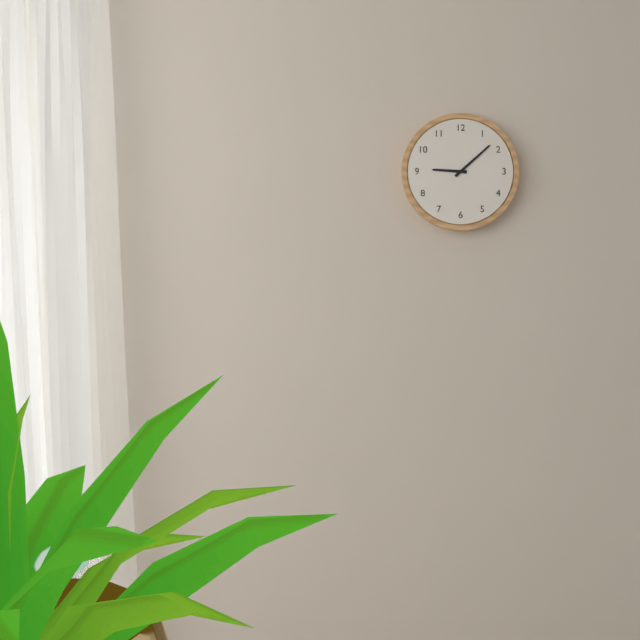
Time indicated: 9:08
